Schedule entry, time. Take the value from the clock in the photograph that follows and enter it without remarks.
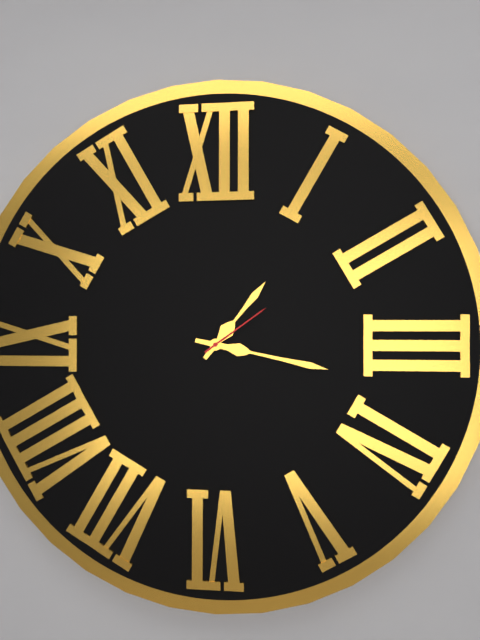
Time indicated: 1:17:09
